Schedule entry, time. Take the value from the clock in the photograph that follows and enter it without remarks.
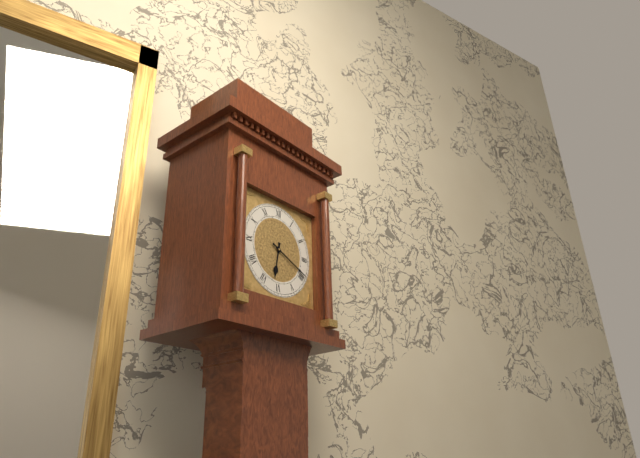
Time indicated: 6:19
